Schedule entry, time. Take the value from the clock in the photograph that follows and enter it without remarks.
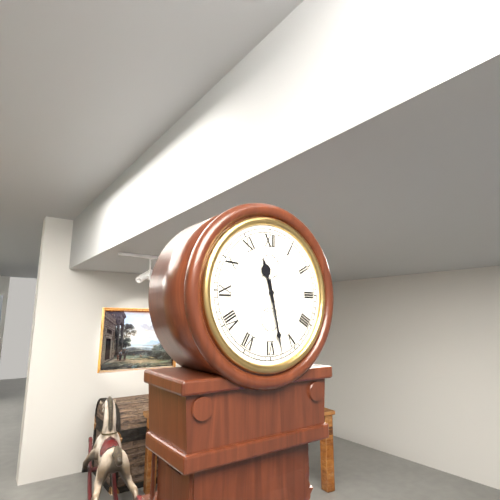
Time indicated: 11:28
